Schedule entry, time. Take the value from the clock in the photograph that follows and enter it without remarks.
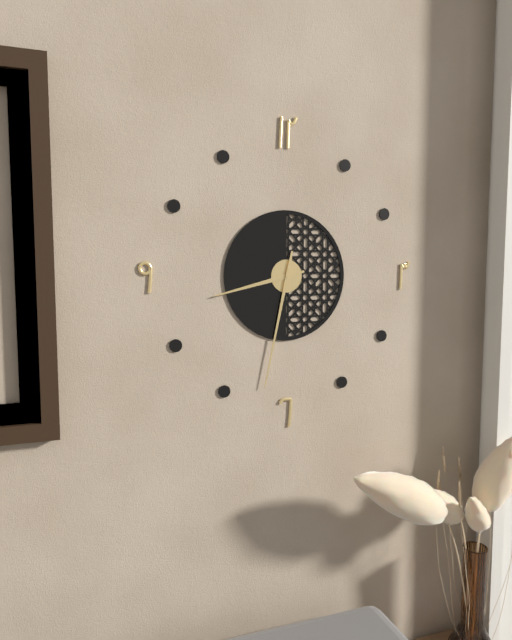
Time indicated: 8:32
